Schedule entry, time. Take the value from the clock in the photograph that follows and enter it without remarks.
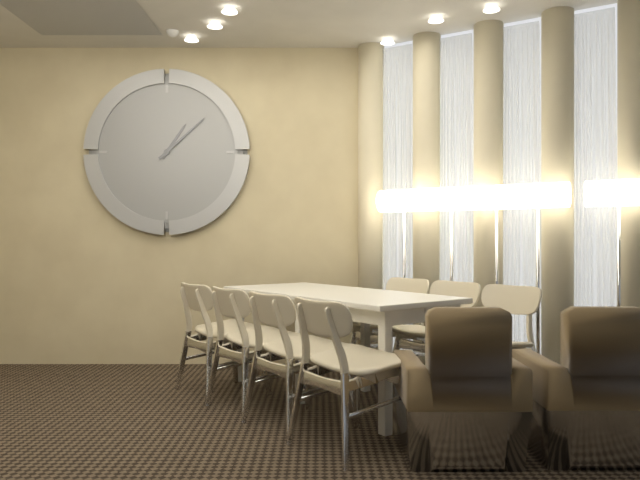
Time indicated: 1:08
